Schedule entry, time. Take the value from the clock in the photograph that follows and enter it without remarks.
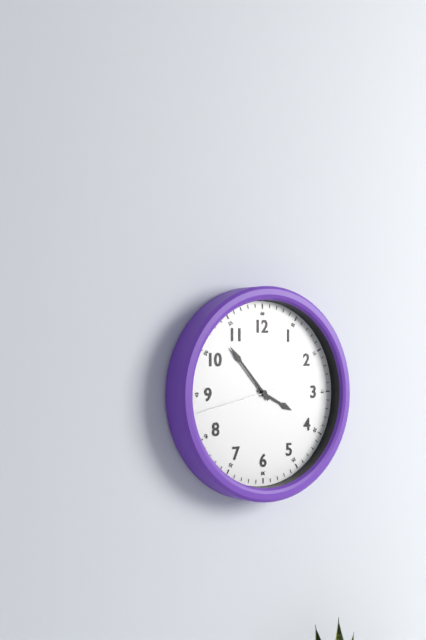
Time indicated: 3:53:43
